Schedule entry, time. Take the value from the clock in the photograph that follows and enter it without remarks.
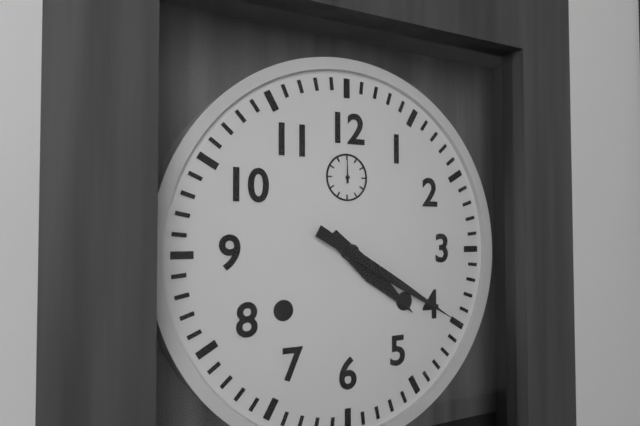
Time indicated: 4:20
